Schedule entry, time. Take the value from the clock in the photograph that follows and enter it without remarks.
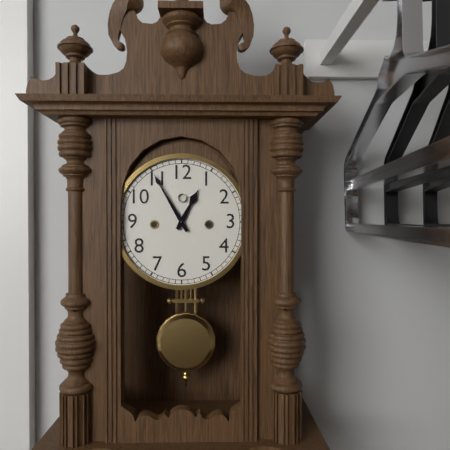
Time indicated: 12:55
